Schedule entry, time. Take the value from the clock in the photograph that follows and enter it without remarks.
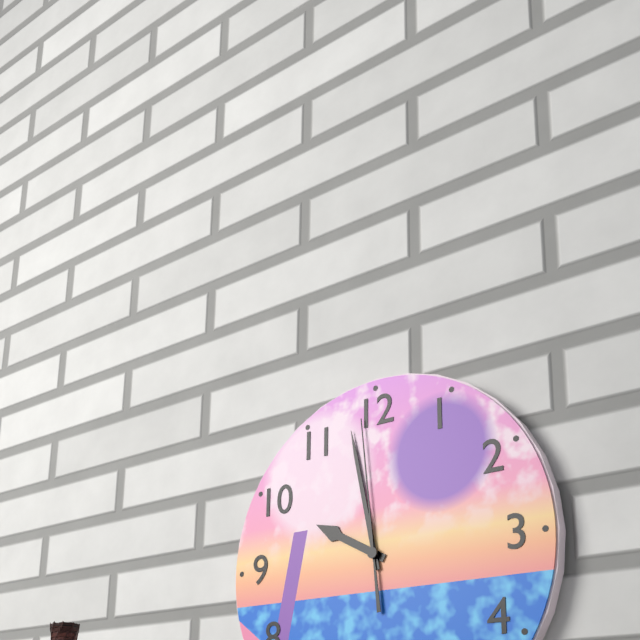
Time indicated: 9:58:59
